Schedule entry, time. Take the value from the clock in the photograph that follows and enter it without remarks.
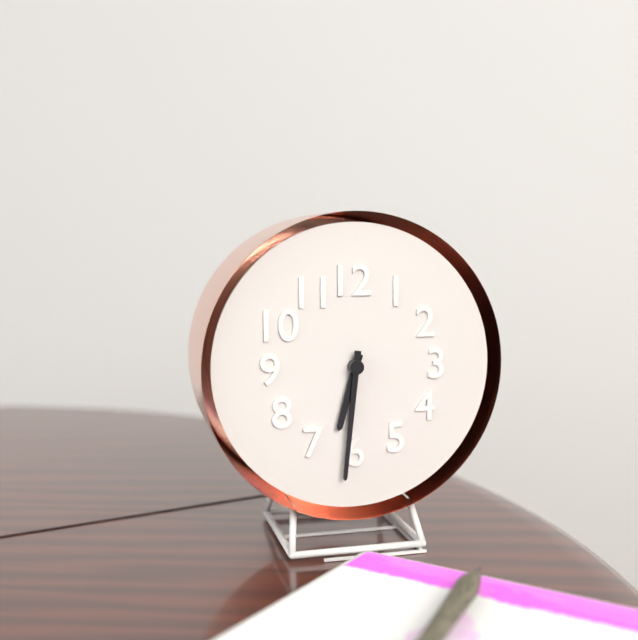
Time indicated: 6:31
